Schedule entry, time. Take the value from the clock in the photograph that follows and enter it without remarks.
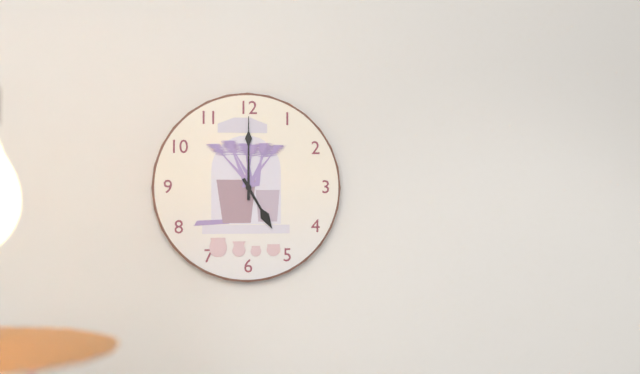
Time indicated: 5:00
